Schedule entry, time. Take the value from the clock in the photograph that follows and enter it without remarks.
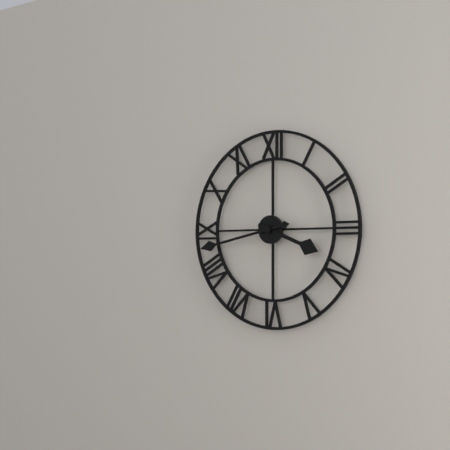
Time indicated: 3:43
